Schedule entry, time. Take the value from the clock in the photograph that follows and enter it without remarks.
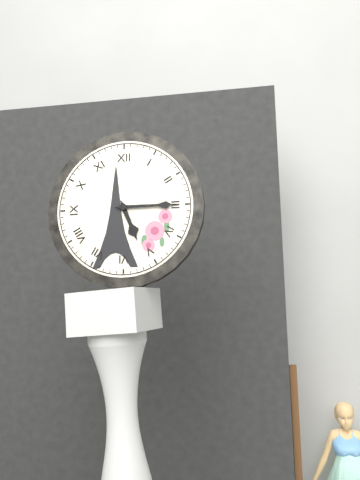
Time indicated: 5:15
